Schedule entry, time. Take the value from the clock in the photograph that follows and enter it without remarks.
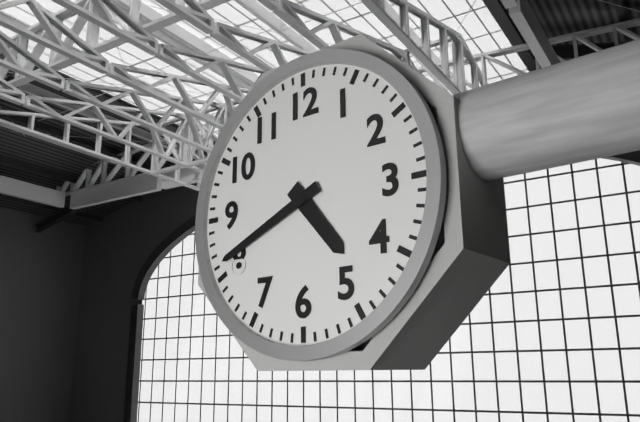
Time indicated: 4:41
